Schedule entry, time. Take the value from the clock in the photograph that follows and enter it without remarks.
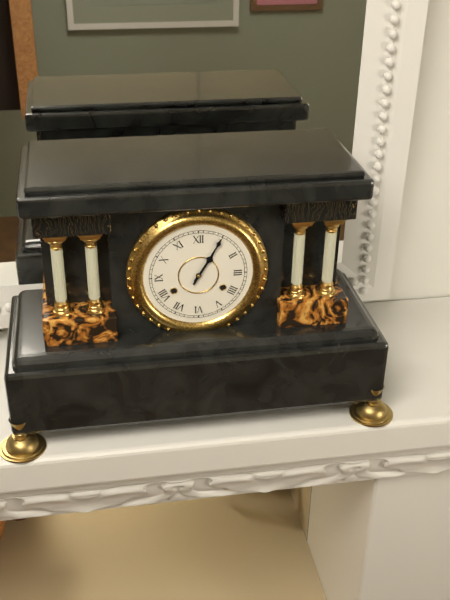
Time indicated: 1:05
